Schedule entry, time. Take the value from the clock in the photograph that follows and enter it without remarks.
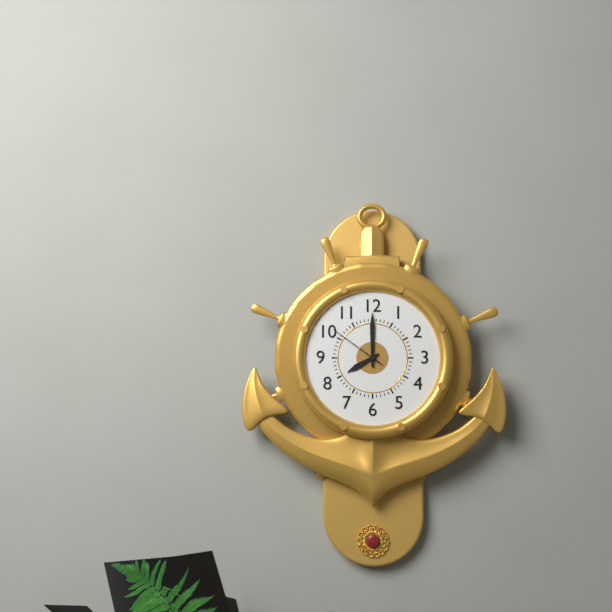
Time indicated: 8:00:51
